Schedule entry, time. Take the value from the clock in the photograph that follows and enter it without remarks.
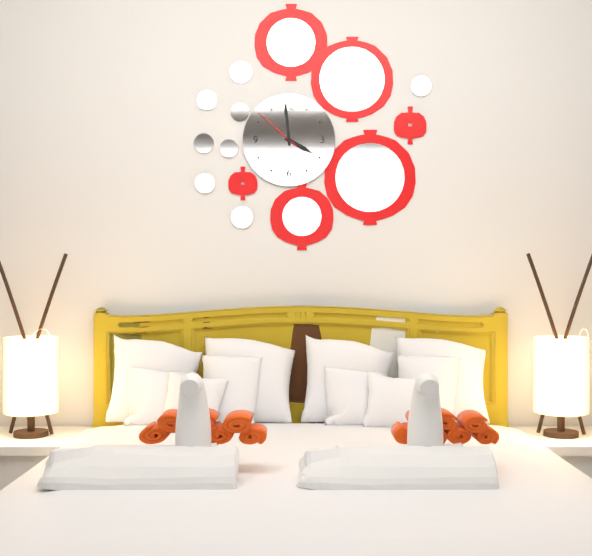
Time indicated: 3:59:52
